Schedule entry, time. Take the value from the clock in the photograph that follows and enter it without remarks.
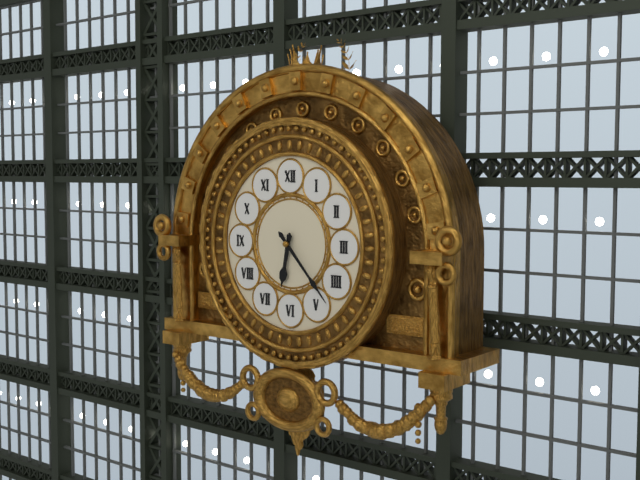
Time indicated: 6:23
